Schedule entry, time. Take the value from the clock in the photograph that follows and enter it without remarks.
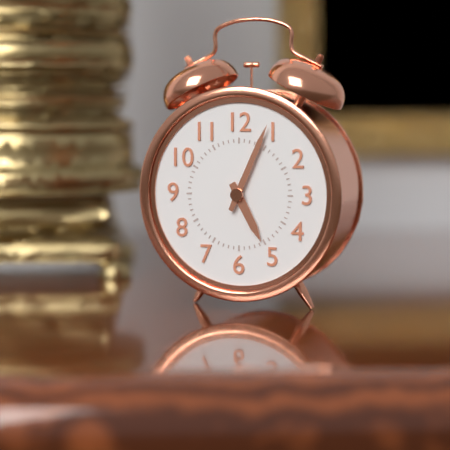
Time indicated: 5:04
